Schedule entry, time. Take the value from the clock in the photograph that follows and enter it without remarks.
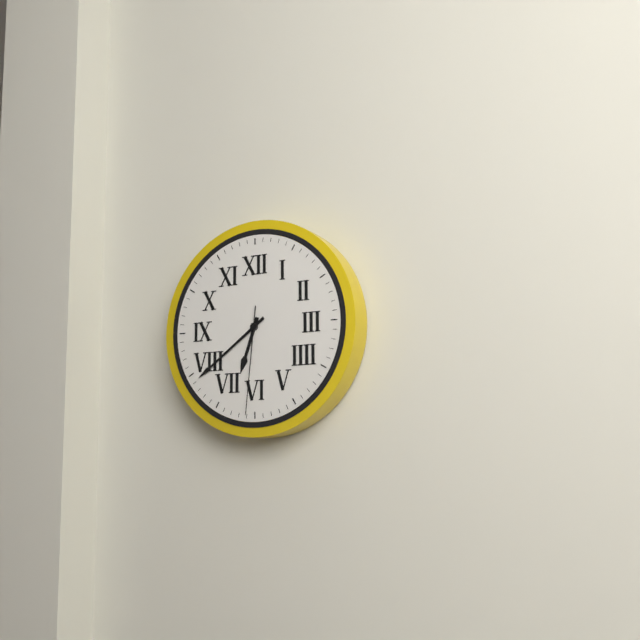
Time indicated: 6:39:31
